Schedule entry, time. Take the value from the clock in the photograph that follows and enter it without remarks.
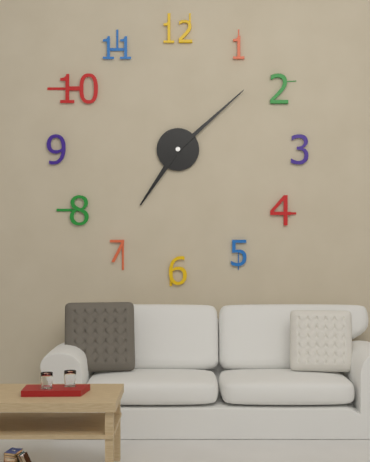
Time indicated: 7:08
